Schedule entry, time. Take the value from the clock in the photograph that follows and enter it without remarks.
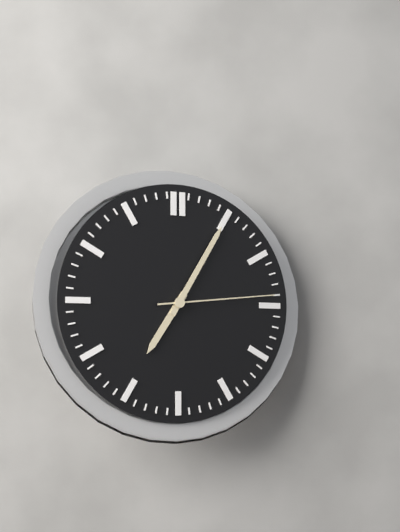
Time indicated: 7:05:14
